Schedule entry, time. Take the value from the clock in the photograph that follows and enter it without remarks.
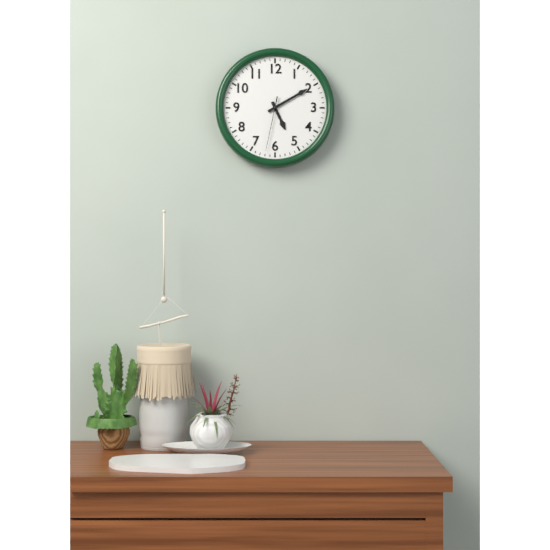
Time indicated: 5:10:32
